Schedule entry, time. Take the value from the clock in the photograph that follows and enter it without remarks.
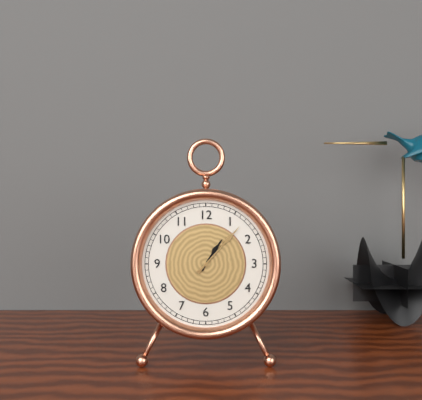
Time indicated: 1:07
